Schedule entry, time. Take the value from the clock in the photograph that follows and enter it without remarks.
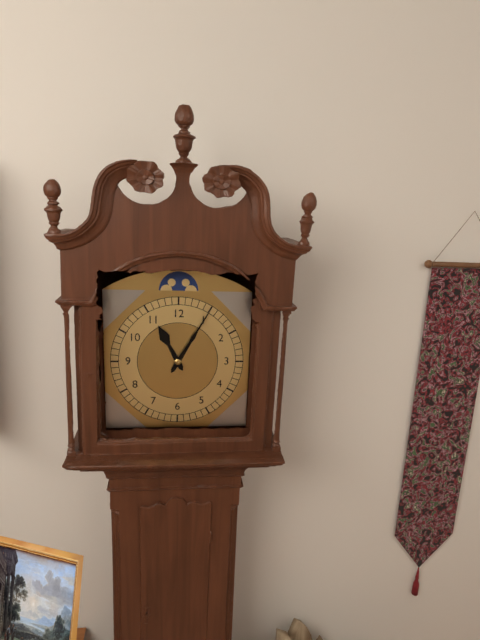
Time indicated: 11:05
